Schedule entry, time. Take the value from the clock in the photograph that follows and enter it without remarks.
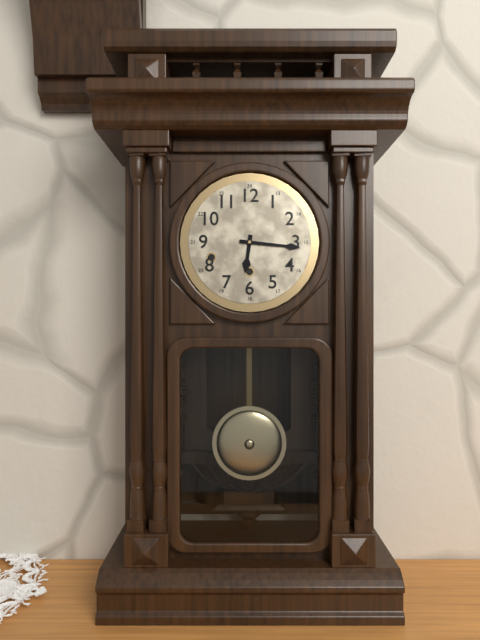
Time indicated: 6:16
